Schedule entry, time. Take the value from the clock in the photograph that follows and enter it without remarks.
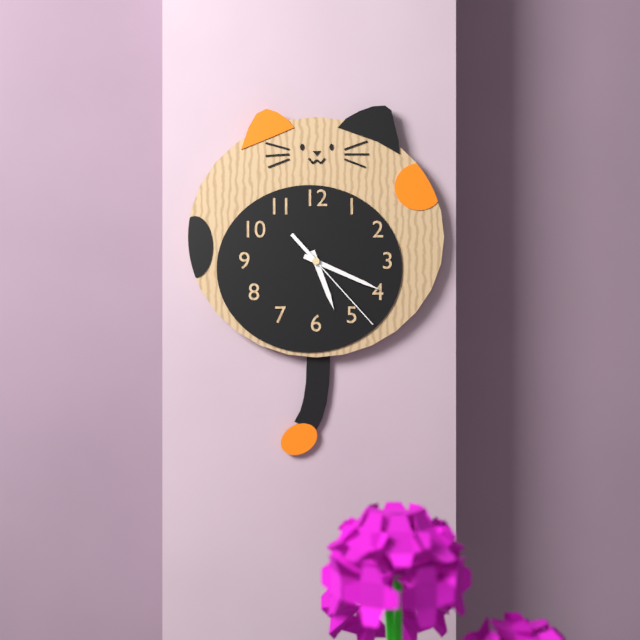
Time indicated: 5:19:23
